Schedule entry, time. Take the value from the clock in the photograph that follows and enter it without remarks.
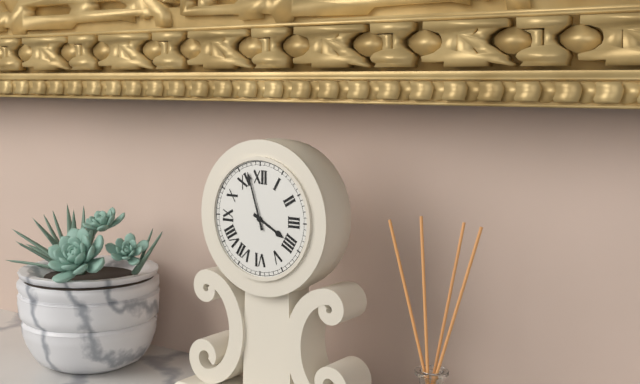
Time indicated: 3:57
